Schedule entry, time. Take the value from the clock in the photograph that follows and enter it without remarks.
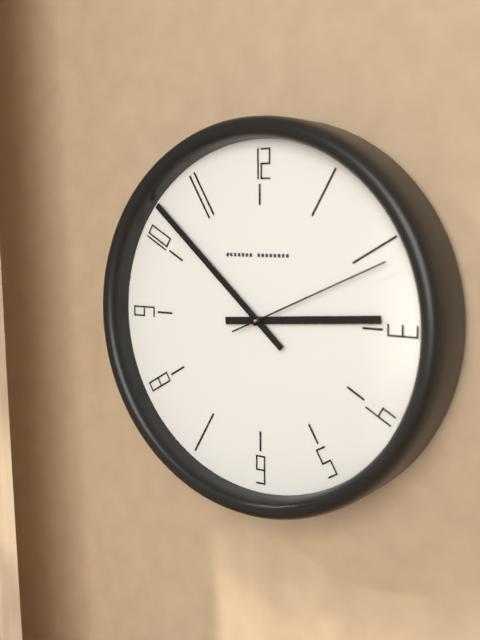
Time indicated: 2:52:11
